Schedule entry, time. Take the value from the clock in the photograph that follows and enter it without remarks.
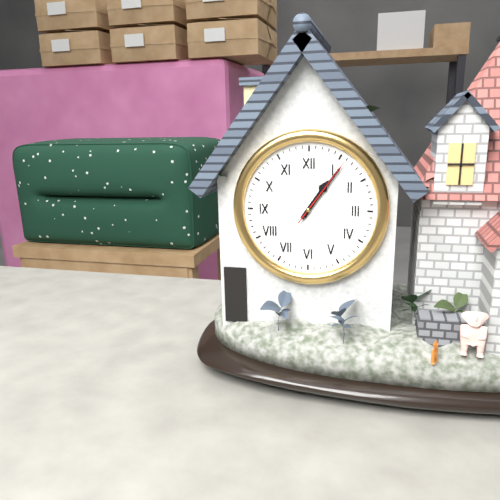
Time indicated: 1:06:06
